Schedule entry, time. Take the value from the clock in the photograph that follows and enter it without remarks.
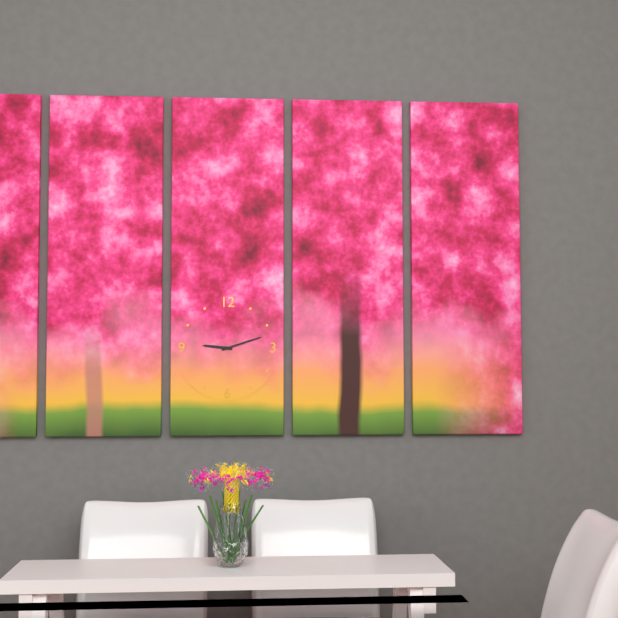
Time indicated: 9:12
